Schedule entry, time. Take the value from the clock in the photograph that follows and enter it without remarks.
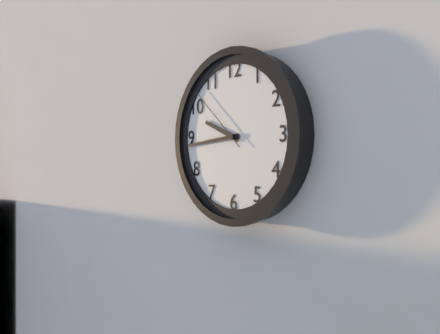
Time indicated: 9:44:52
